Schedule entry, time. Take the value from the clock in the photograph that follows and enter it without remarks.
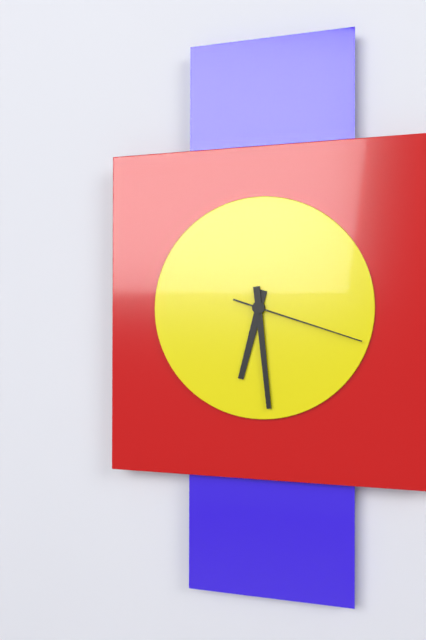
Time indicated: 6:29:18
